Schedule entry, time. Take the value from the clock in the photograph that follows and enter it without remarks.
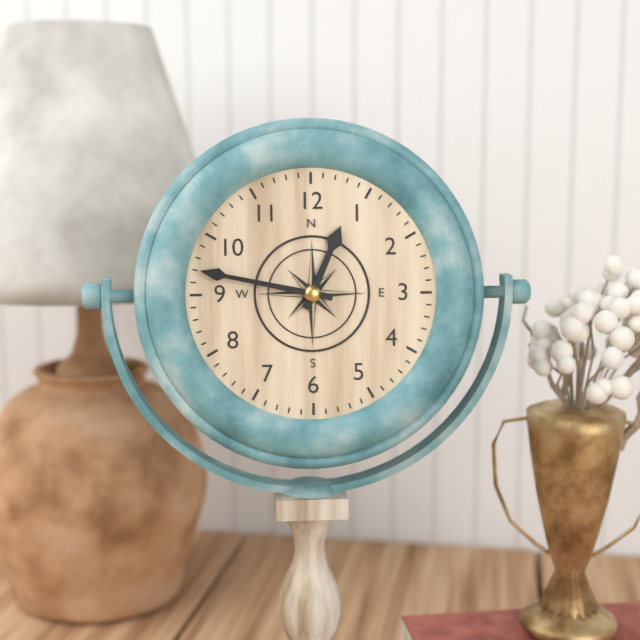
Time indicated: 12:47
